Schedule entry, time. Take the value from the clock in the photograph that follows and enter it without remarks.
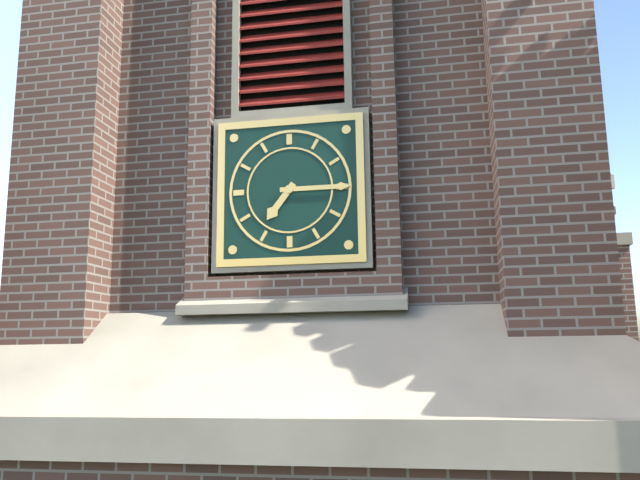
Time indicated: 7:15
